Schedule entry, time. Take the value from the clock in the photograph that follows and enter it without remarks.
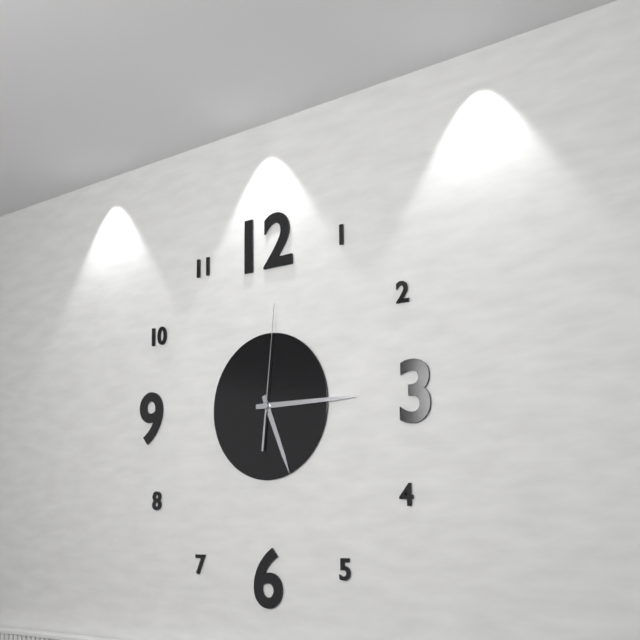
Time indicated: 5:15:01
